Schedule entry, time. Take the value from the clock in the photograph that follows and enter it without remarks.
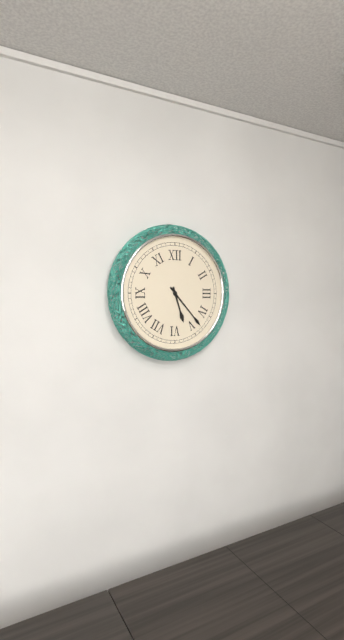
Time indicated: 5:23
